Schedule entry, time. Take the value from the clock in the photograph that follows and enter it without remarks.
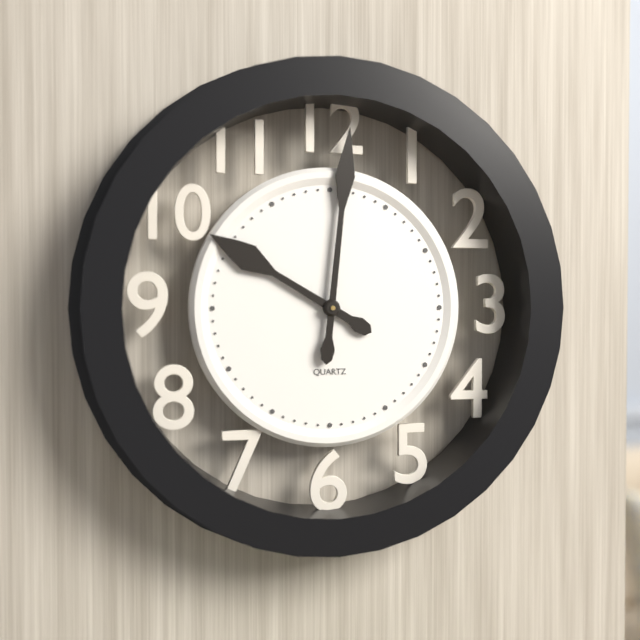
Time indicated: 10:01
